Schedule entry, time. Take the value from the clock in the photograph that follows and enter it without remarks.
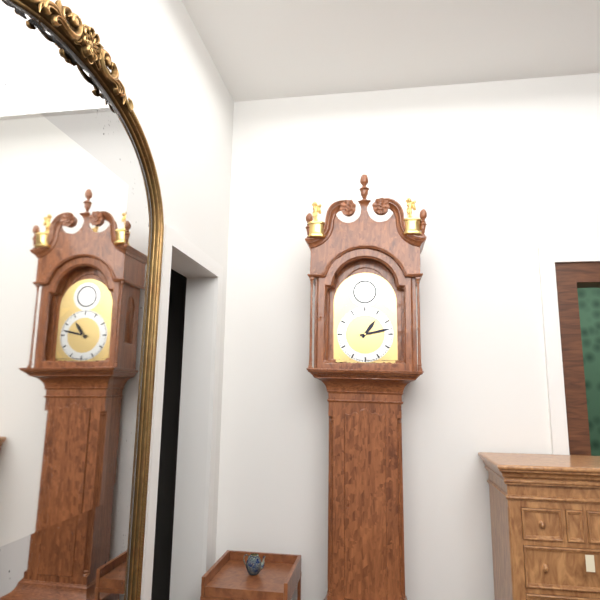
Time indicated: 1:13
